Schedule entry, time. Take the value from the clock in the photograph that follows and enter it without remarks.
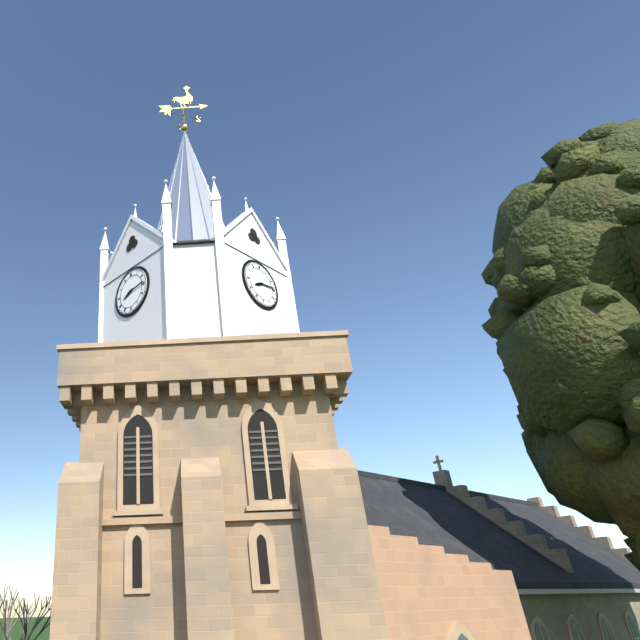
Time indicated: 8:14
